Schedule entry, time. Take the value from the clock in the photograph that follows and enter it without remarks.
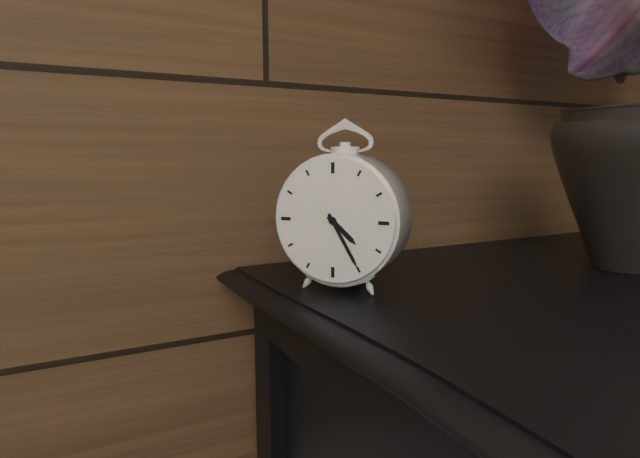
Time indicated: 4:25
